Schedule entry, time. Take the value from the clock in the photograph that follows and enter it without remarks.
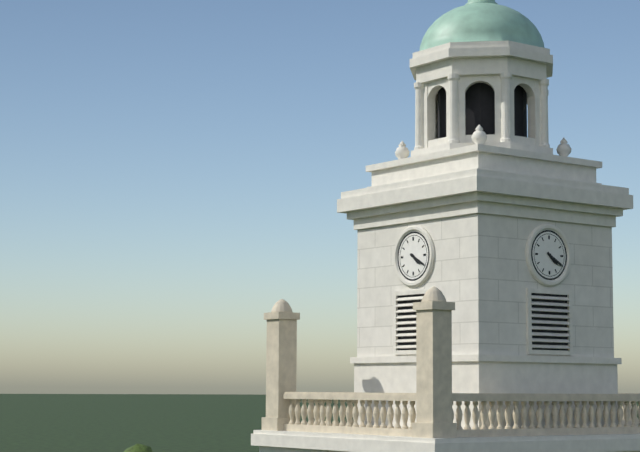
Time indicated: 4:20
